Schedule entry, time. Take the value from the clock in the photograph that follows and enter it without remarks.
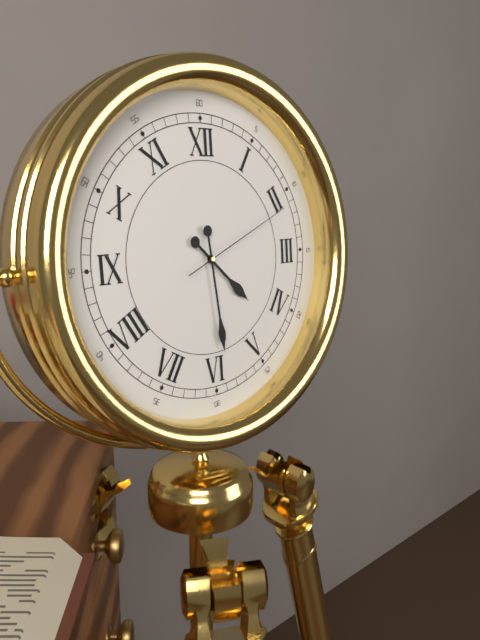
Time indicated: 4:29:11
